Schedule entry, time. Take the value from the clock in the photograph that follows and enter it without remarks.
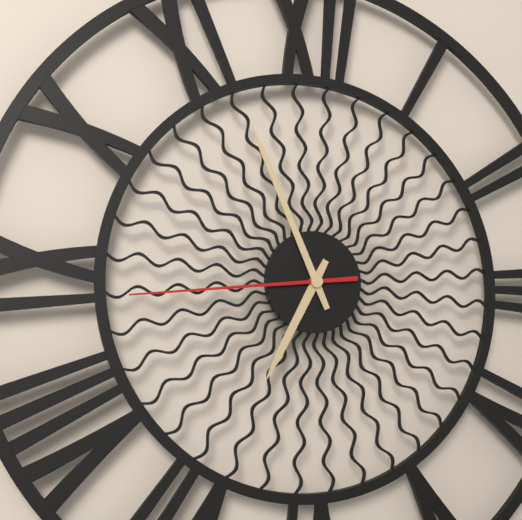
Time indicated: 6:56:44
